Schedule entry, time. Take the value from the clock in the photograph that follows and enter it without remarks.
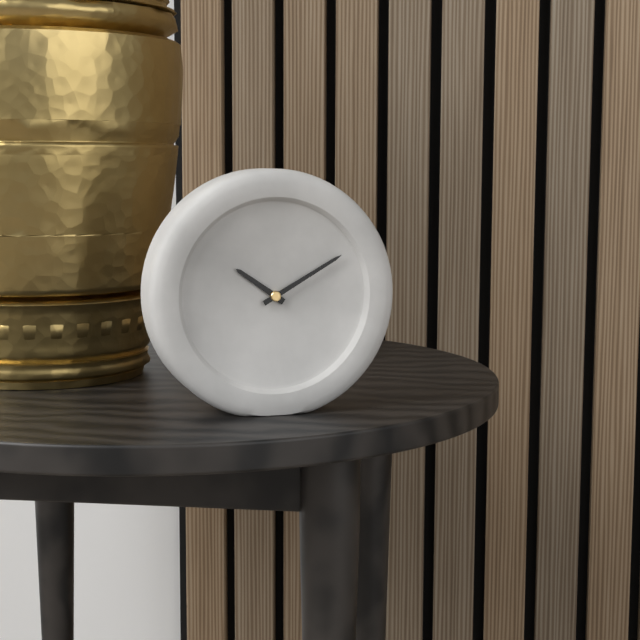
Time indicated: 10:10
